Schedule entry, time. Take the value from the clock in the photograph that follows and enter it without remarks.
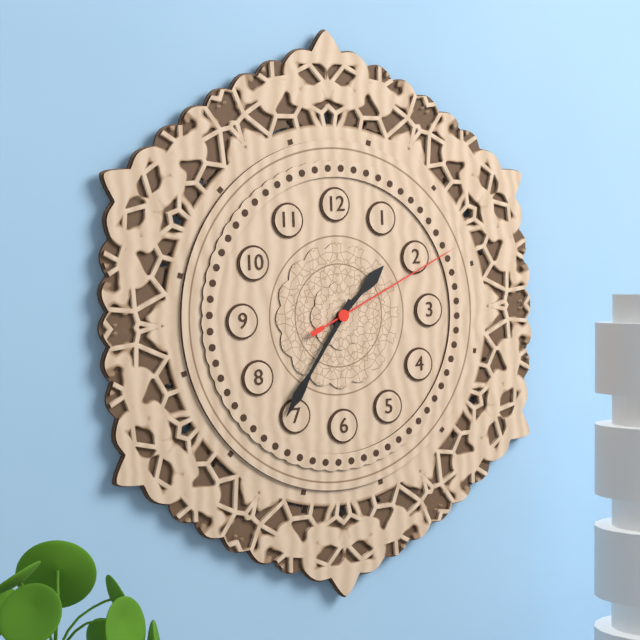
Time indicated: 1:36:11
